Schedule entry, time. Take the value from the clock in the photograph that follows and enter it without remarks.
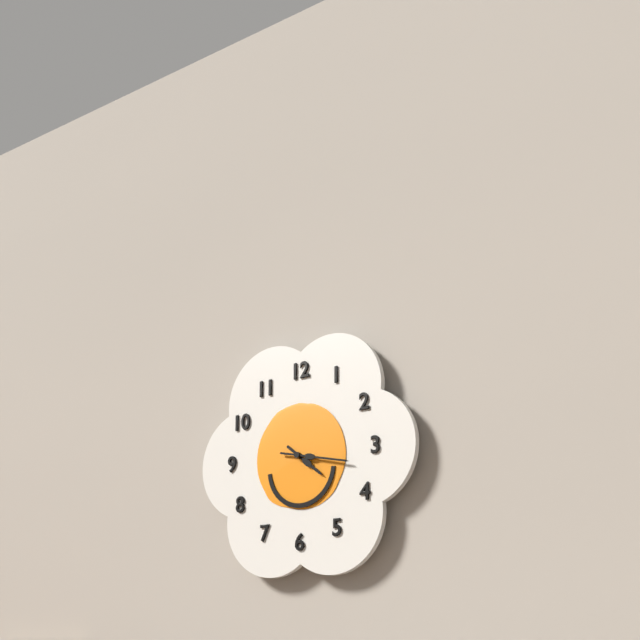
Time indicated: 4:17
